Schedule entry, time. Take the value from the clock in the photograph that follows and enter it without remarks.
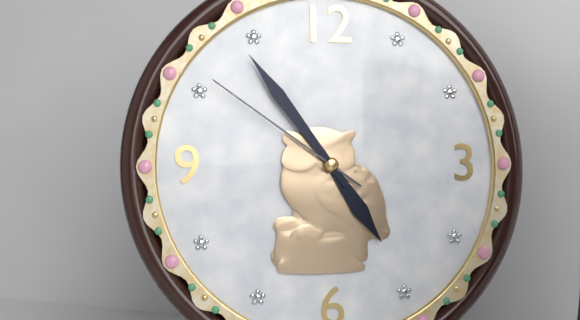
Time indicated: 4:54:51
